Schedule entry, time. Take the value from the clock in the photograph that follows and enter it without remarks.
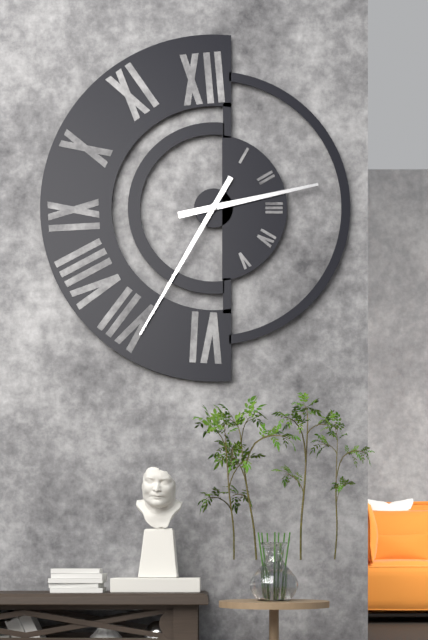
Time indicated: 2:35
